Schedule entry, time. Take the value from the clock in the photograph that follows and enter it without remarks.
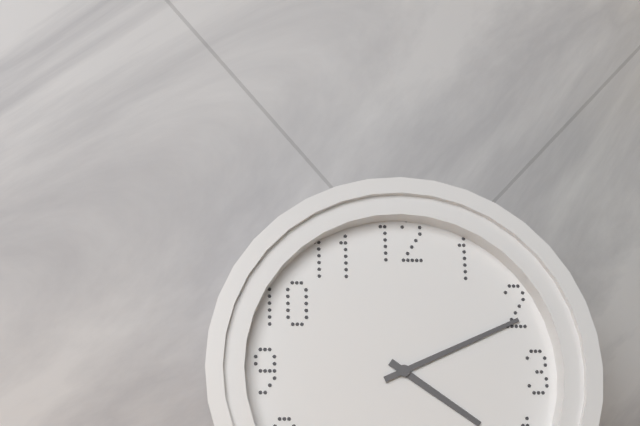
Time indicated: 4:11
